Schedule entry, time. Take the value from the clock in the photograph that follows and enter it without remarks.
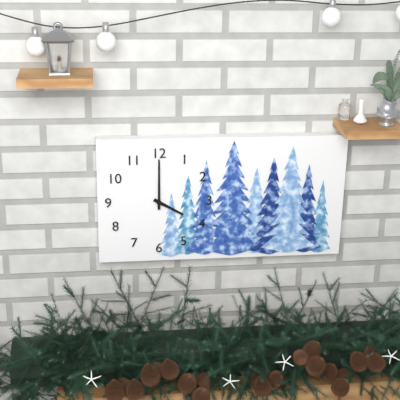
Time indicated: 4:00
